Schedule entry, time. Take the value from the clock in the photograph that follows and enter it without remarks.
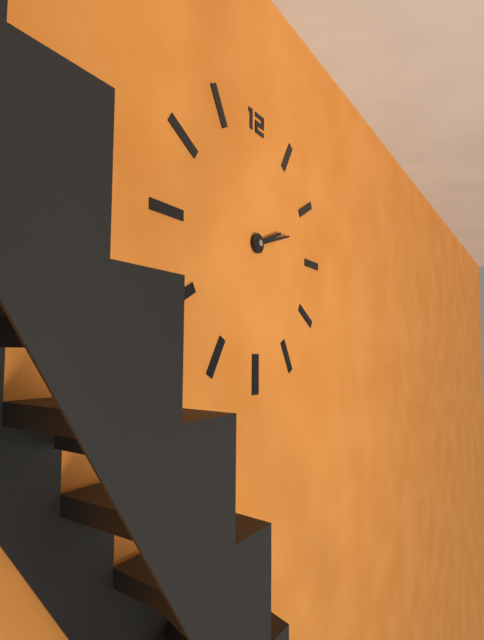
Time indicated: 2:12
